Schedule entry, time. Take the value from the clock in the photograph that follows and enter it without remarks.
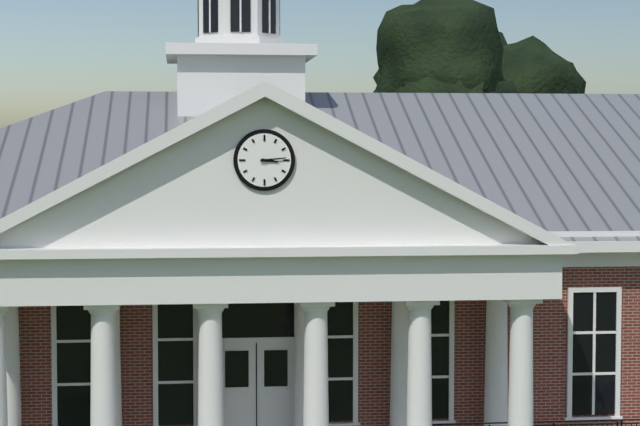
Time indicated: 3:14
